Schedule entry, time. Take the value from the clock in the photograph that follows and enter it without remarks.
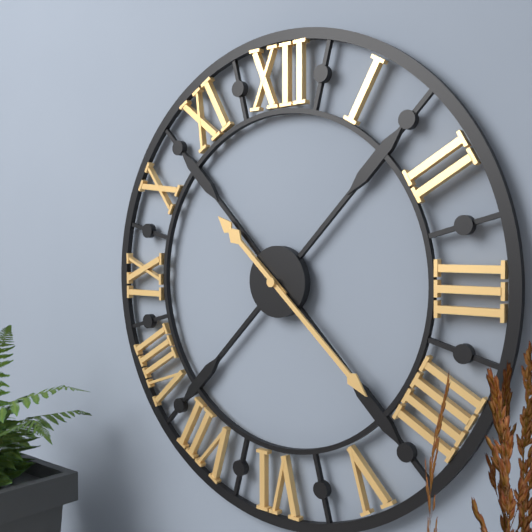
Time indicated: 10:22
